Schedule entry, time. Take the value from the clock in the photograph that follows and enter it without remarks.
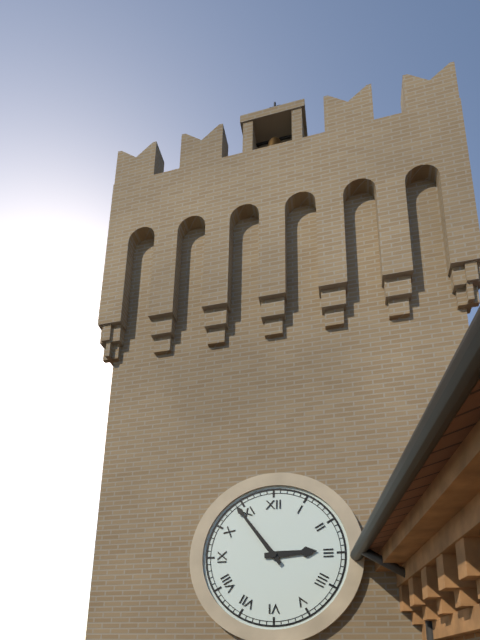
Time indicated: 2:54
